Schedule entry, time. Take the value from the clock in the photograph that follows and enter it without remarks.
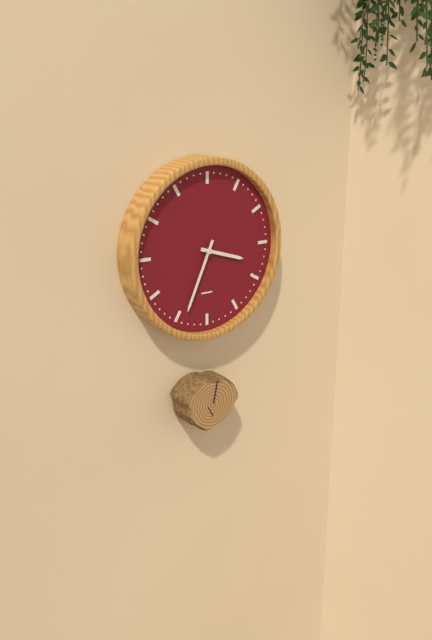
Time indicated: 3:34
